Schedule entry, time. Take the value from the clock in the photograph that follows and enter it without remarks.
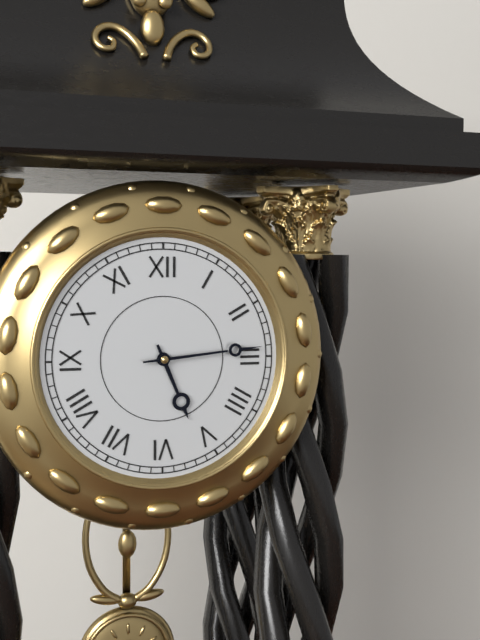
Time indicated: 5:14
